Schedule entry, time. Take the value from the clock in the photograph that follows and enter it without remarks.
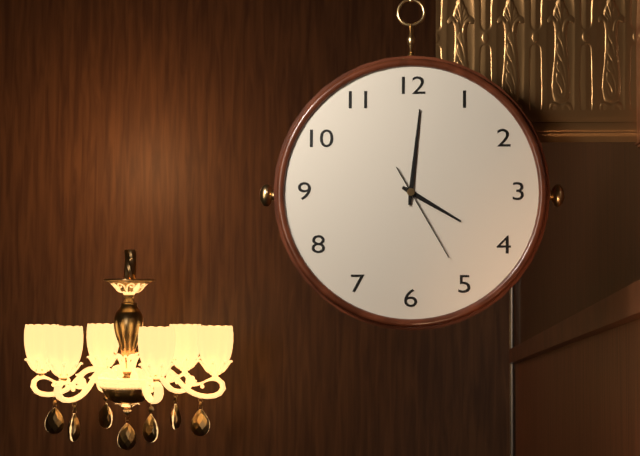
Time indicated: 4:01:25
